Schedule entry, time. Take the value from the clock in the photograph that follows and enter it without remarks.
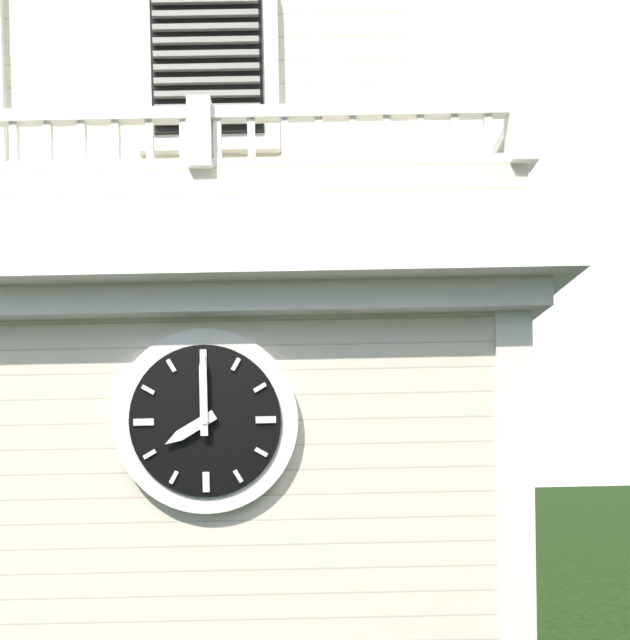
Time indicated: 8:00
